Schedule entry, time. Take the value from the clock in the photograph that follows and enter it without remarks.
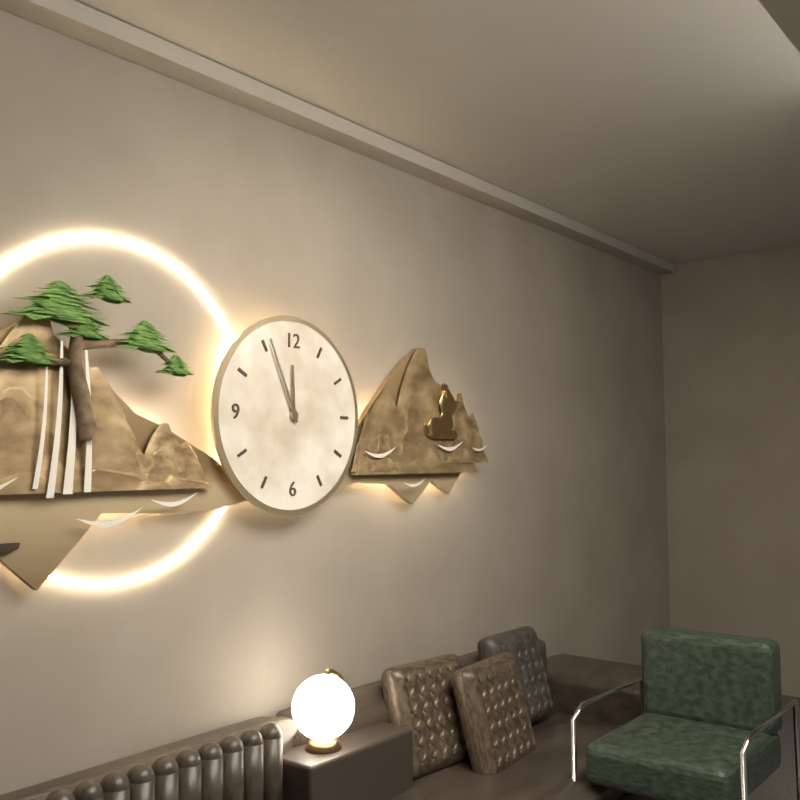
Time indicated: 11:56
